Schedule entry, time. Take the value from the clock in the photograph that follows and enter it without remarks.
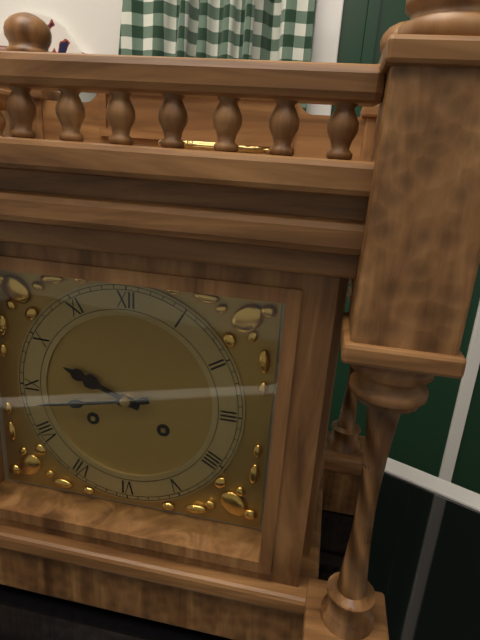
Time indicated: 9:43
